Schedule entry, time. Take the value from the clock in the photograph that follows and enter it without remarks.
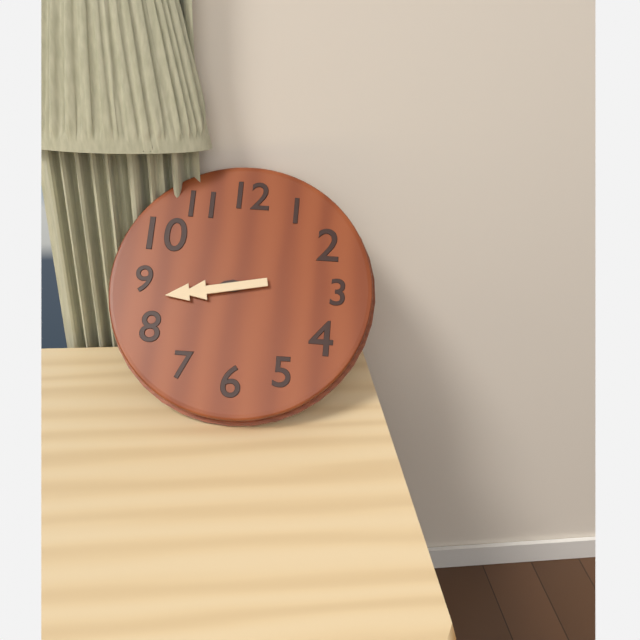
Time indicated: 8:43
